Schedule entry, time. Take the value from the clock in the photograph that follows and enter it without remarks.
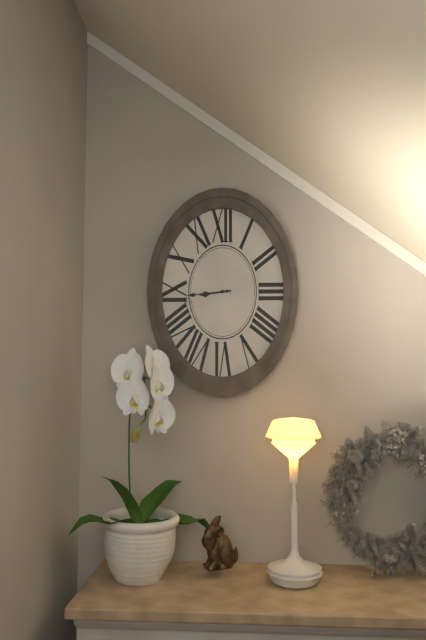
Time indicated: 8:44
